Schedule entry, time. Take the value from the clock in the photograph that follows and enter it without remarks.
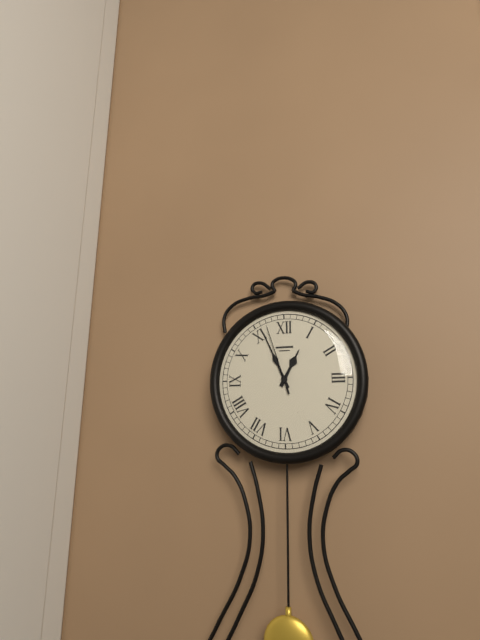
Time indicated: 12:56:57
